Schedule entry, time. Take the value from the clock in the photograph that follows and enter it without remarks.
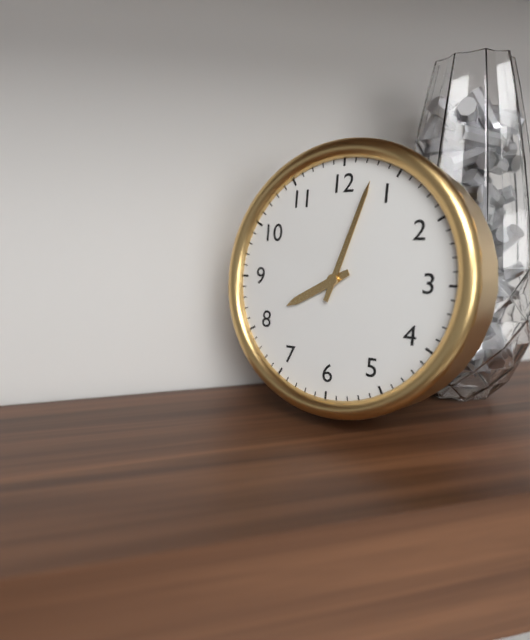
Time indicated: 8:03
